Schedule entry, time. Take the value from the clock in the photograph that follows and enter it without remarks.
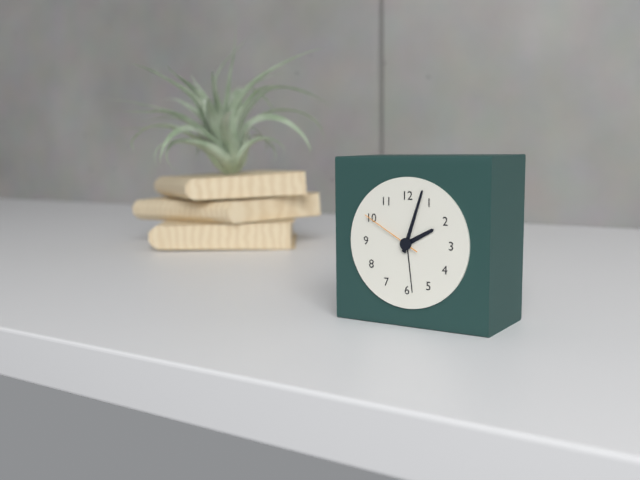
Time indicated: 2:03:50
